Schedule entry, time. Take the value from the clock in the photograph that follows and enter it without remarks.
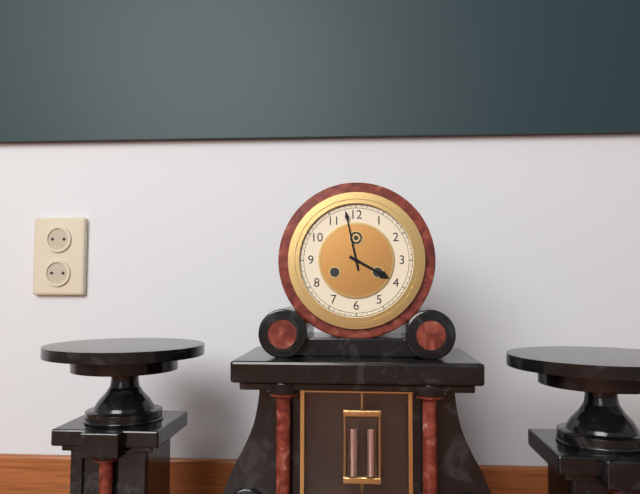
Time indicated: 3:58
